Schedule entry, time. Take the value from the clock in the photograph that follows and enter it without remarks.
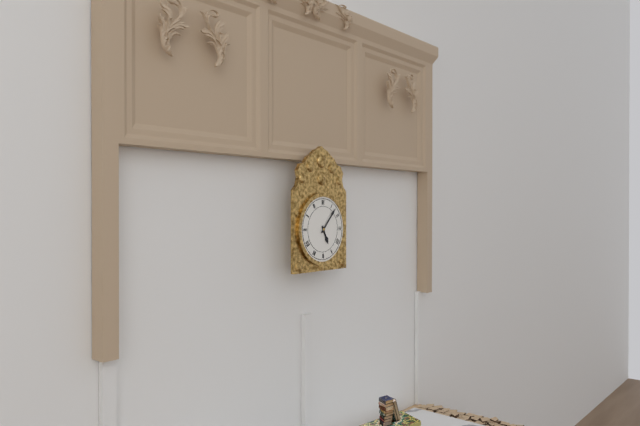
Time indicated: 5:07
